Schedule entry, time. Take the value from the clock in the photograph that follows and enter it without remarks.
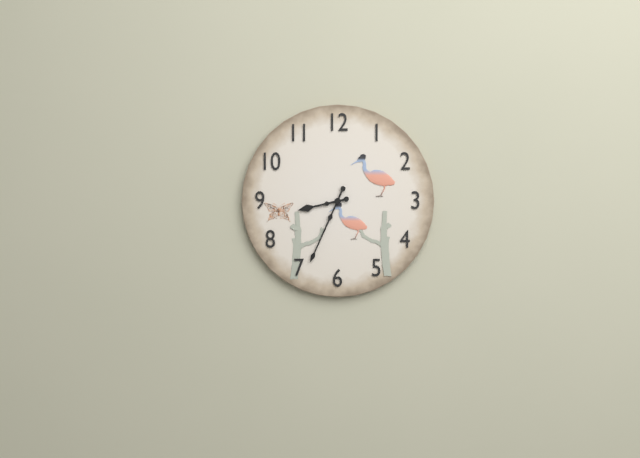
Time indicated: 8:34
